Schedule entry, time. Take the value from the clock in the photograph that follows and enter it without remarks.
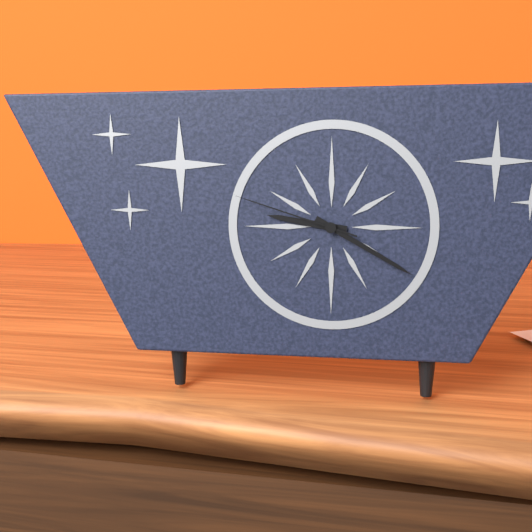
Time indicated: 9:20:48
